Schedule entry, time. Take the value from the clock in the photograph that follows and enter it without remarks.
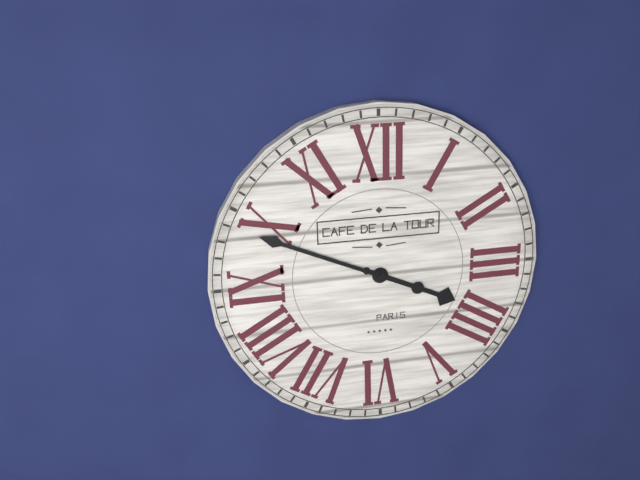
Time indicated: 3:49
